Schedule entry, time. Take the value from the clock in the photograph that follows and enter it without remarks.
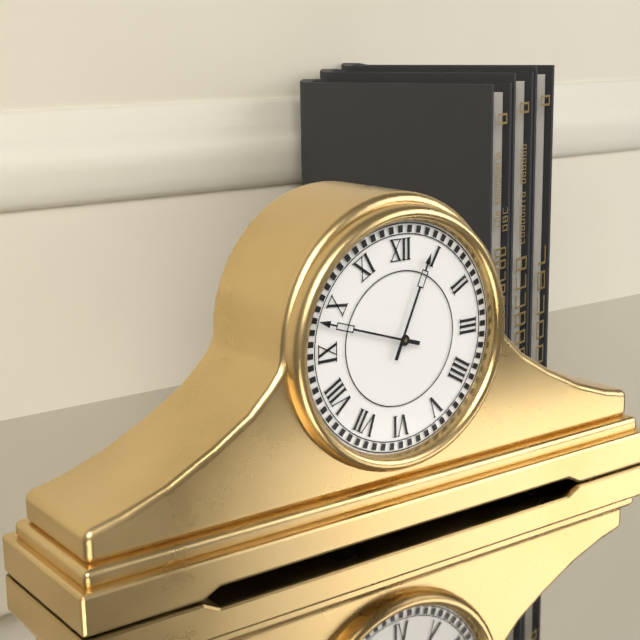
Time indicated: 12:48
